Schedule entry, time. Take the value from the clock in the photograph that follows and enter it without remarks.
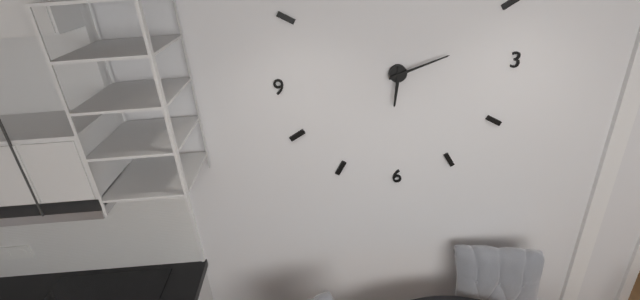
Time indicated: 6:12
